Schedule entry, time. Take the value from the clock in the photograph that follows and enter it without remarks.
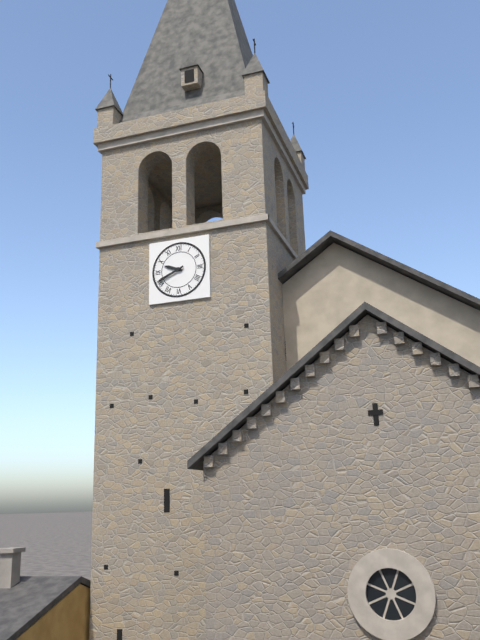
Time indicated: 9:41
